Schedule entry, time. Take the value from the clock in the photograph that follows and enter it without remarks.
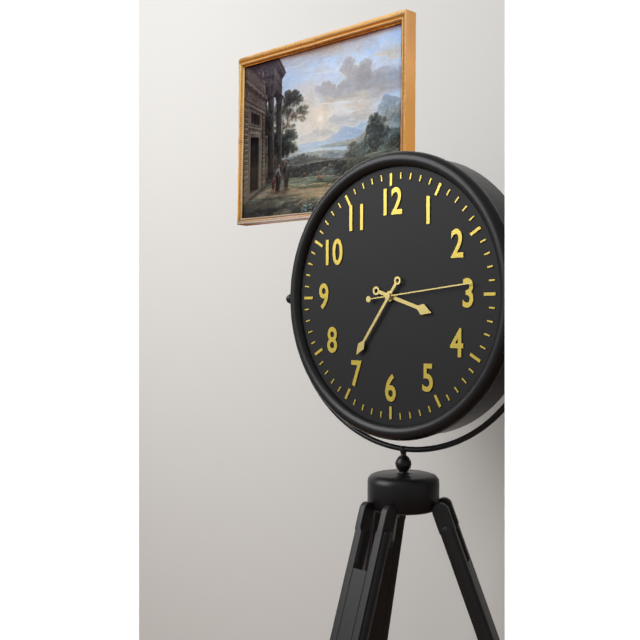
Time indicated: 3:36:14
